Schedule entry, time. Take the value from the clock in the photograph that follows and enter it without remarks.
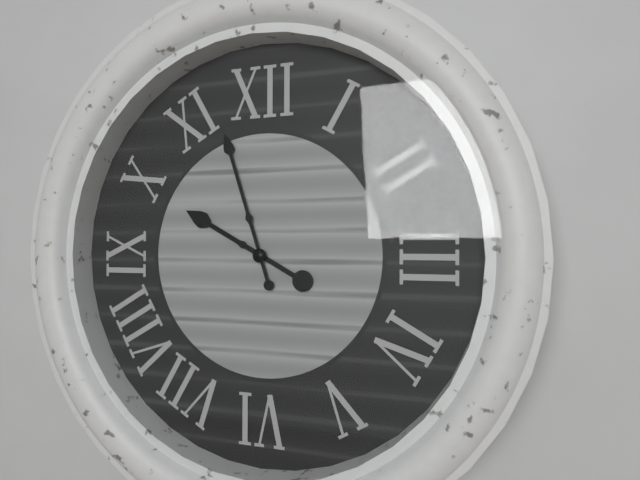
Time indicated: 9:57
